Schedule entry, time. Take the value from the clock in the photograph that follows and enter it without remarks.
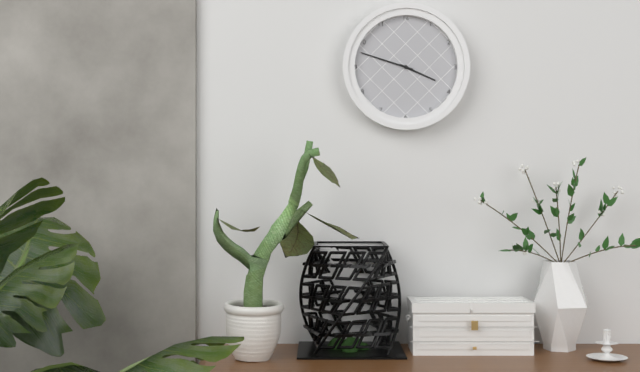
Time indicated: 3:48
